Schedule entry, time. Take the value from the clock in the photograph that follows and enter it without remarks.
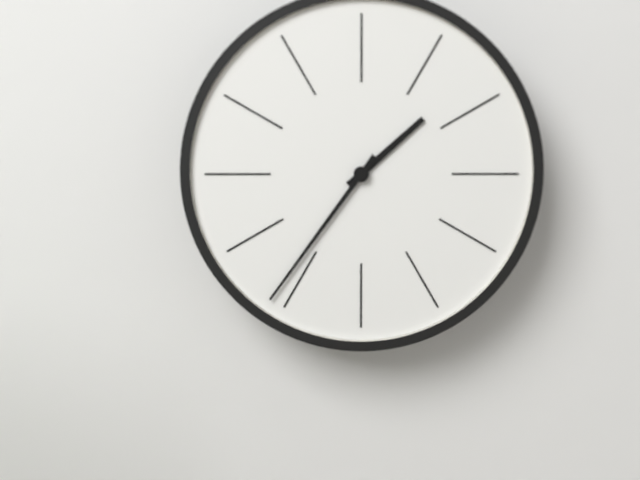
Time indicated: 1:36
